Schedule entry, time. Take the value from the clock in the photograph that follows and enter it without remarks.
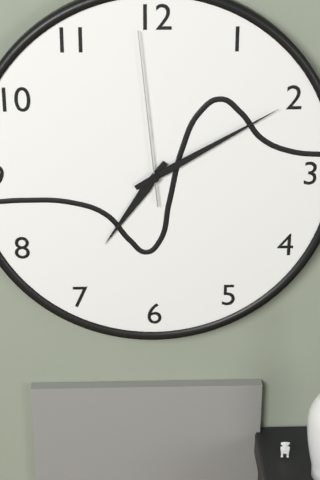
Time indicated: 7:10:59
